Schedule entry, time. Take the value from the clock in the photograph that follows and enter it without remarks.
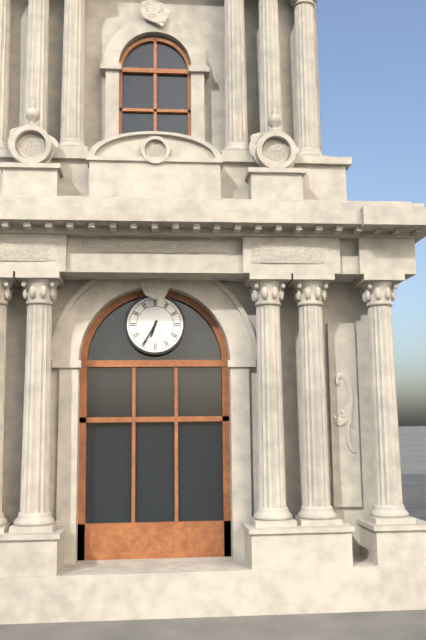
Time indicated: 6:35
